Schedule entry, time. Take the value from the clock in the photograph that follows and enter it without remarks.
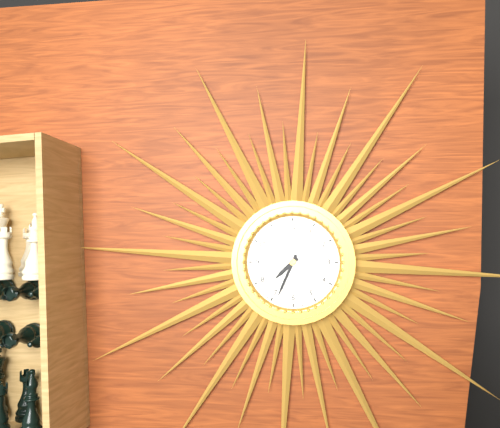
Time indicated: 7:34
